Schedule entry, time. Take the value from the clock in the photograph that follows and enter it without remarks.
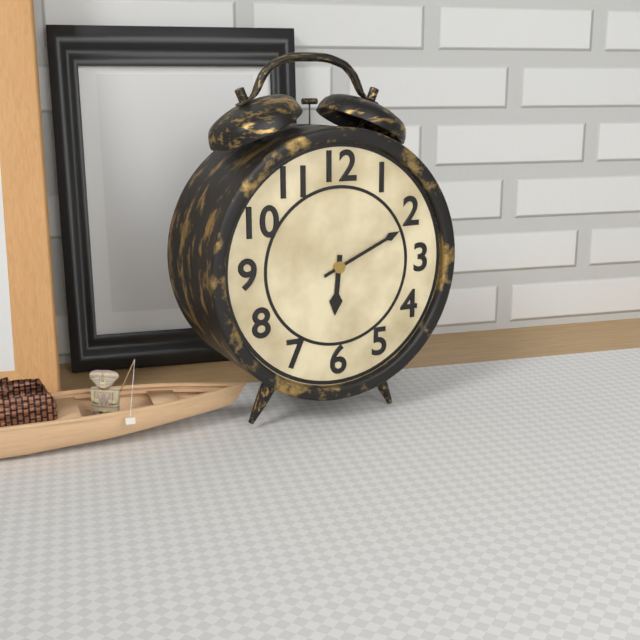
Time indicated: 6:11
